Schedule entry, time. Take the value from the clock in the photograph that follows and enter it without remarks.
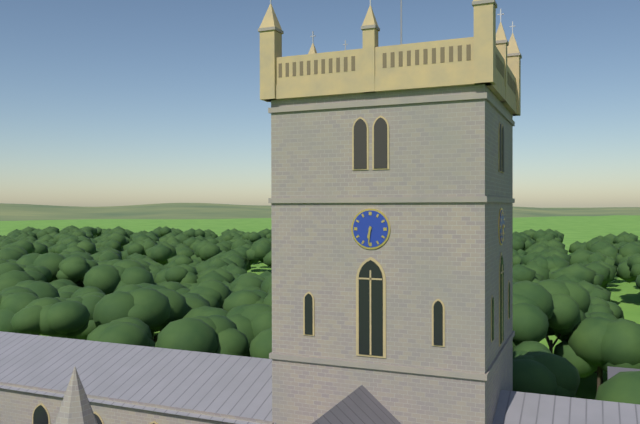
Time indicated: 6:31
